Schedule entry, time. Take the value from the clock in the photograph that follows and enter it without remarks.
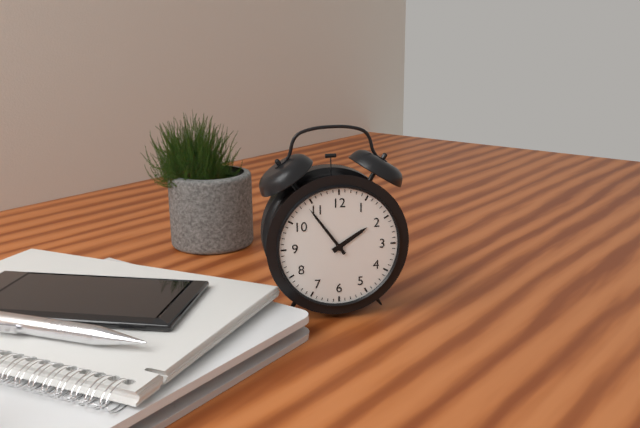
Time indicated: 1:54
